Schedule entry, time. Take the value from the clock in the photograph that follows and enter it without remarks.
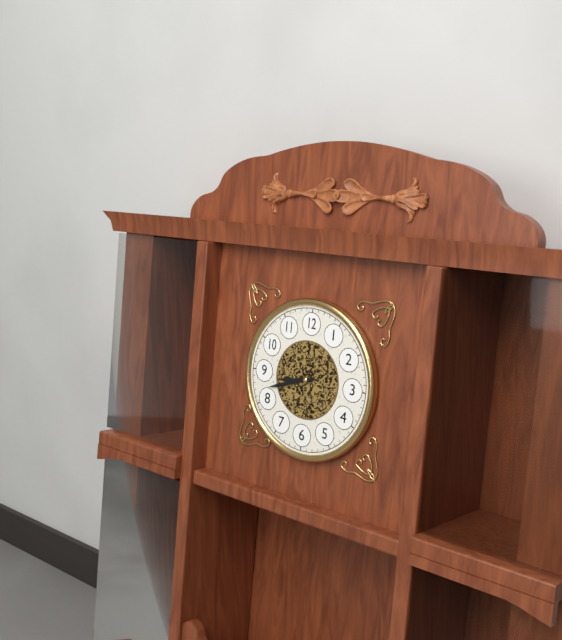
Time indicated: 8:42
